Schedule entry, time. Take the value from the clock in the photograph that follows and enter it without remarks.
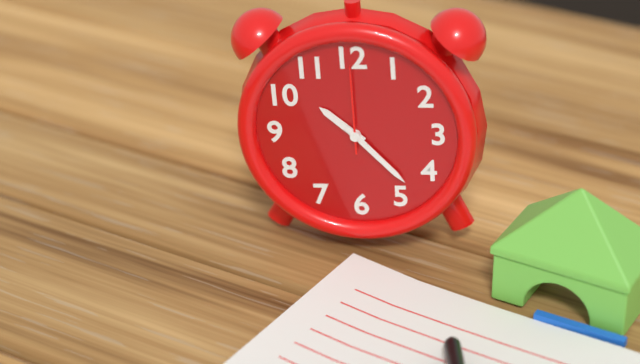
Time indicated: 10:23:00
